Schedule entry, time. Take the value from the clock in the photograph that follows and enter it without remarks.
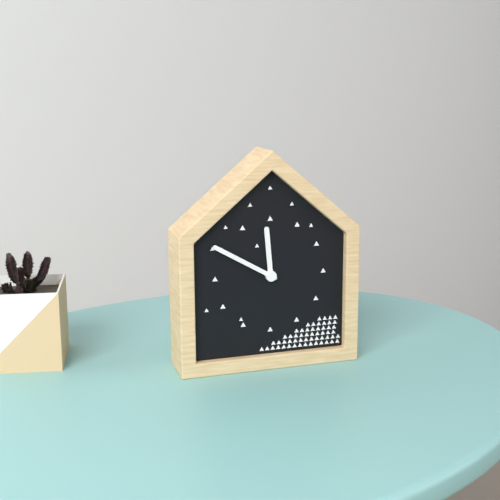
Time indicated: 11:50
